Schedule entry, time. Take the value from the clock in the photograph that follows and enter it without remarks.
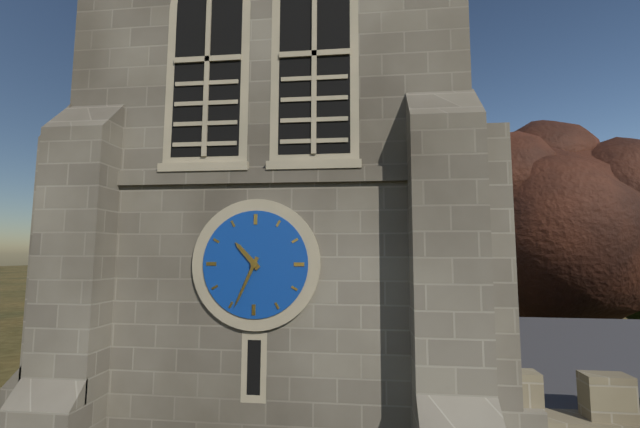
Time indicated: 10:34
